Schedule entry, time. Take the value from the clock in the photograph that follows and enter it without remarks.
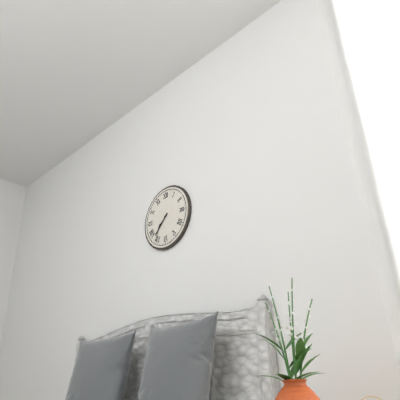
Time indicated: 7:37
